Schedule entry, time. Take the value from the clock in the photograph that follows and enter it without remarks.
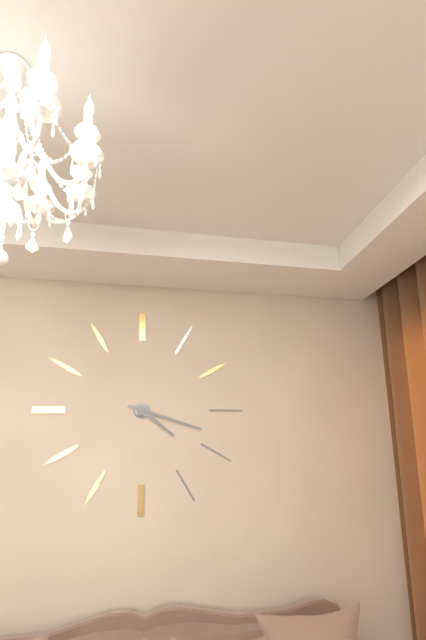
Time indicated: 4:18
